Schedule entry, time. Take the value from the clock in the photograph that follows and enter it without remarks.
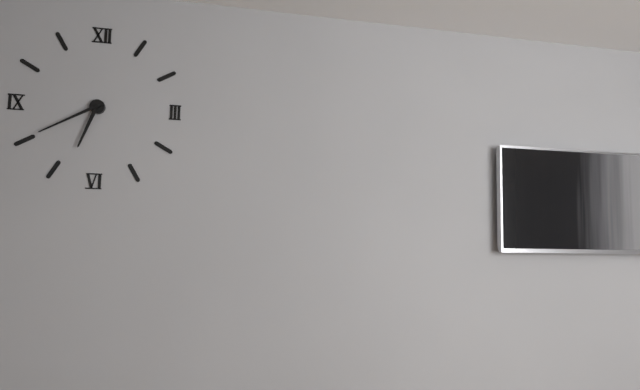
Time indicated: 6:40
